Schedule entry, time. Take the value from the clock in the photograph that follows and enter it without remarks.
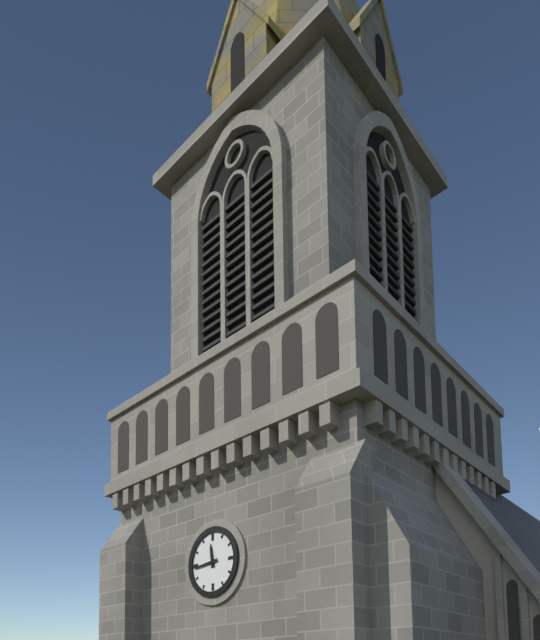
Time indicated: 11:44
